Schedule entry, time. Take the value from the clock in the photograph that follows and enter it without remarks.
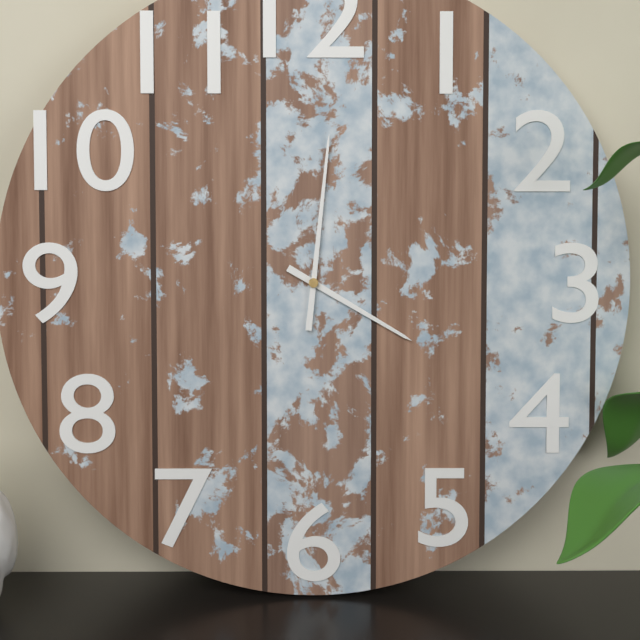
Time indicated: 4:01
